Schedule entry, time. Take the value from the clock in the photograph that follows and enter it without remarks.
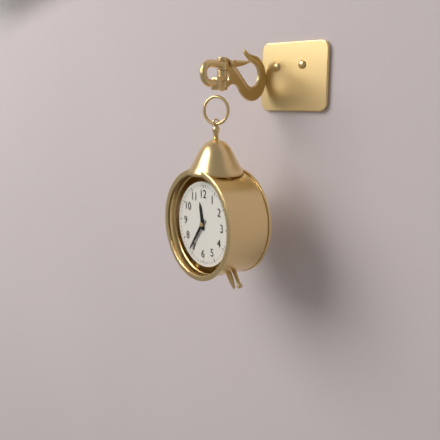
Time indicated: 11:36
